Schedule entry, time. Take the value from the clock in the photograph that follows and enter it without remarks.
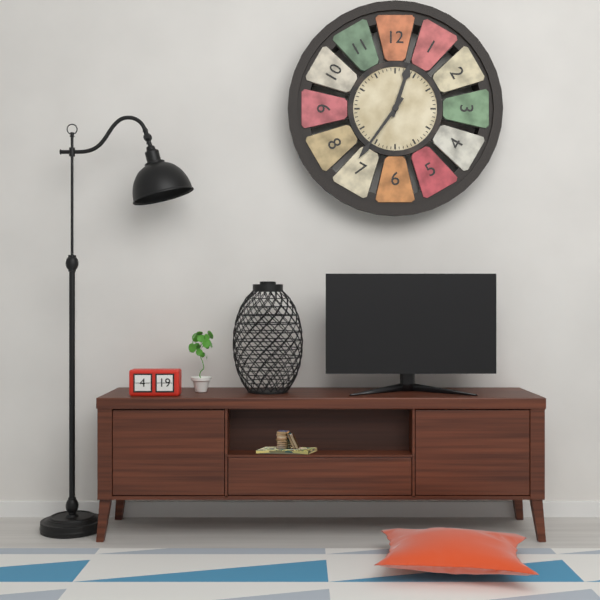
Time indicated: 12:36
